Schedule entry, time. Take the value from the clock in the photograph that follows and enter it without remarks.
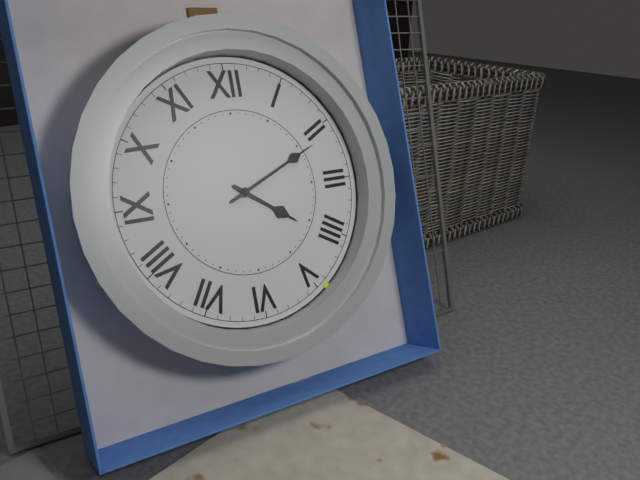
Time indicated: 4:11
